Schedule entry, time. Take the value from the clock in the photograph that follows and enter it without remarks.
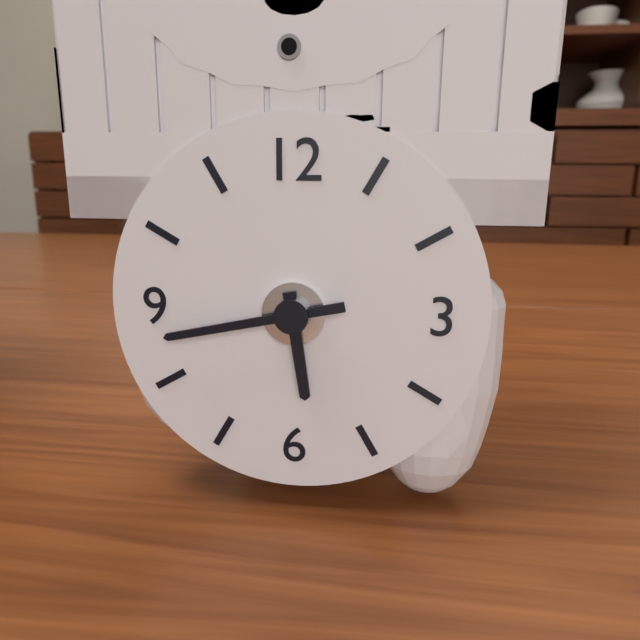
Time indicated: 5:43
